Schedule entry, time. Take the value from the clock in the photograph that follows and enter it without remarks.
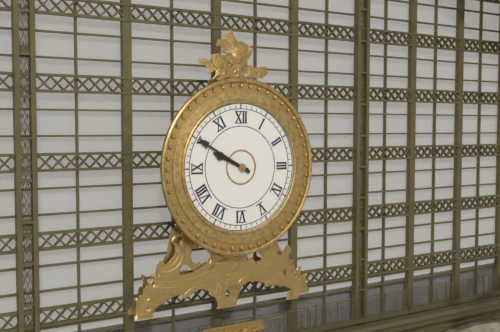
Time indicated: 9:50
